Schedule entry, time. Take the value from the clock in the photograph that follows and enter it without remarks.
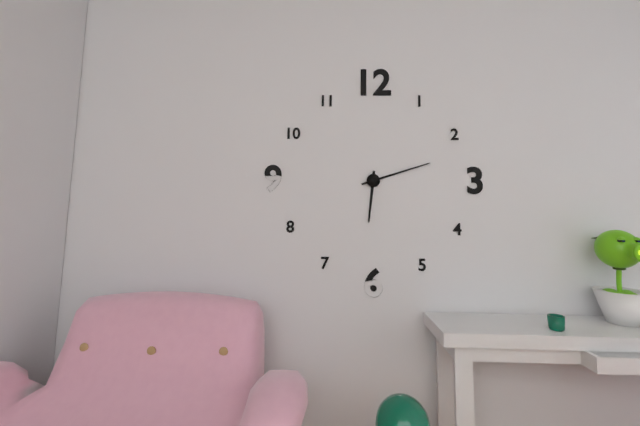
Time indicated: 6:12
